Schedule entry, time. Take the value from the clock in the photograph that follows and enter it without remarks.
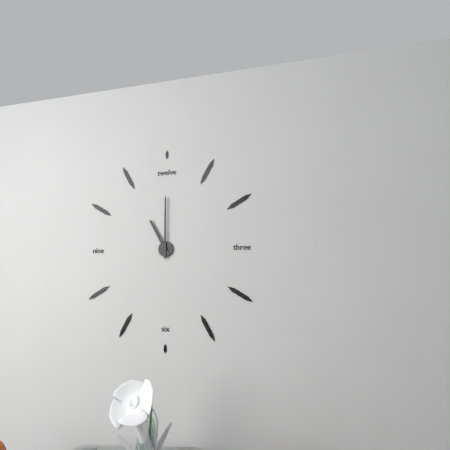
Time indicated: 11:00
